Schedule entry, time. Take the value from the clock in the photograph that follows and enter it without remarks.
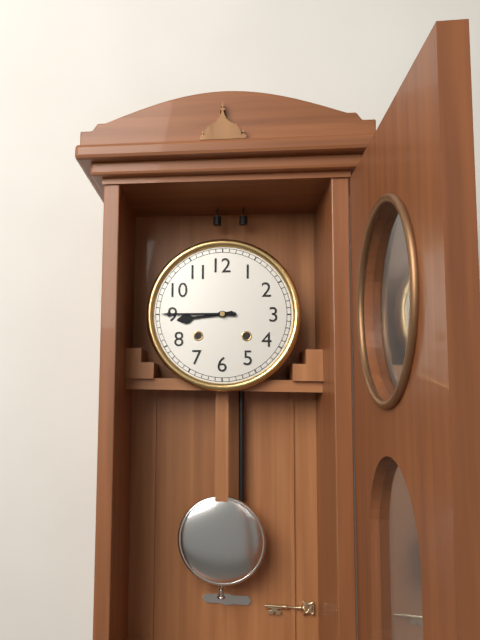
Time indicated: 8:45
